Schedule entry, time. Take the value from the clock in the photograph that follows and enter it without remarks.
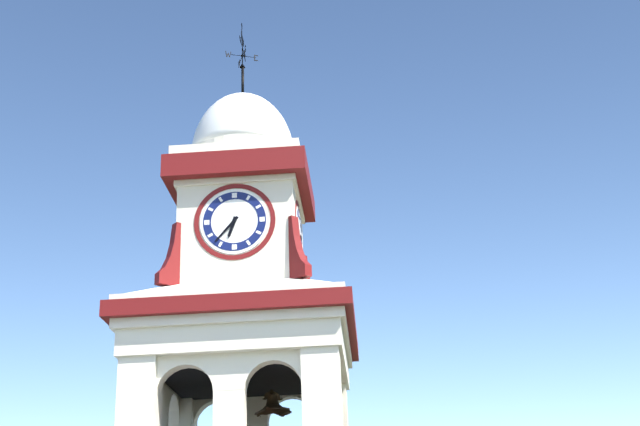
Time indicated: 6:37
